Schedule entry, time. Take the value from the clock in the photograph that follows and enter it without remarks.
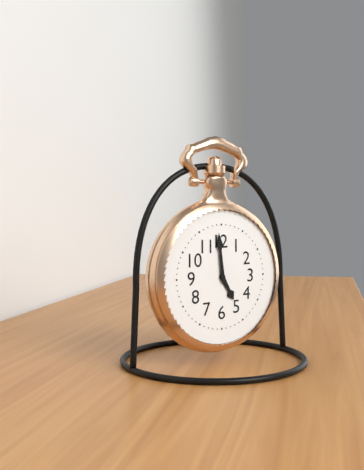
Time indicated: 4:59
